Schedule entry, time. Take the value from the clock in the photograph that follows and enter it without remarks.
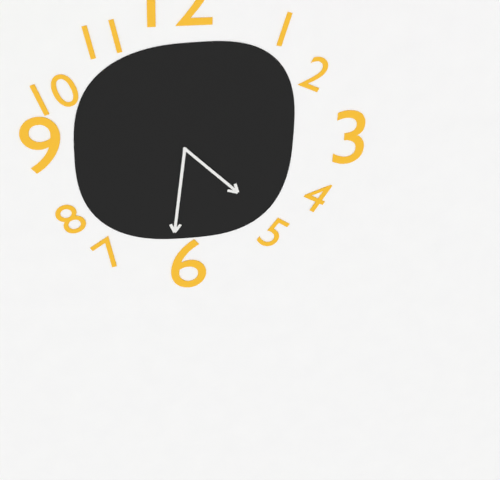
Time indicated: 4:31
